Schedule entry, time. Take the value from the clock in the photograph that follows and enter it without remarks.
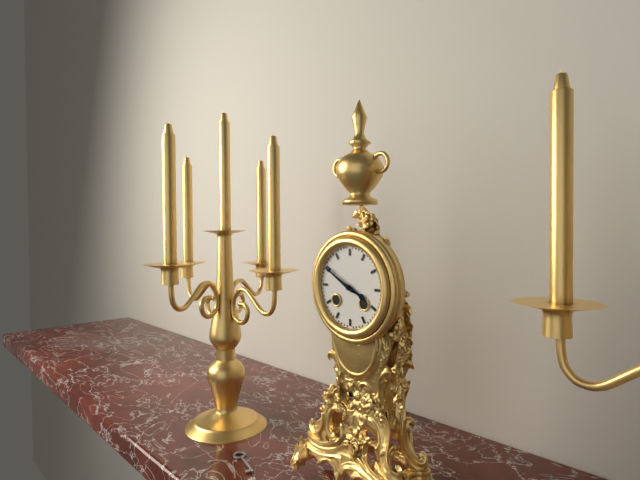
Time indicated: 3:50
